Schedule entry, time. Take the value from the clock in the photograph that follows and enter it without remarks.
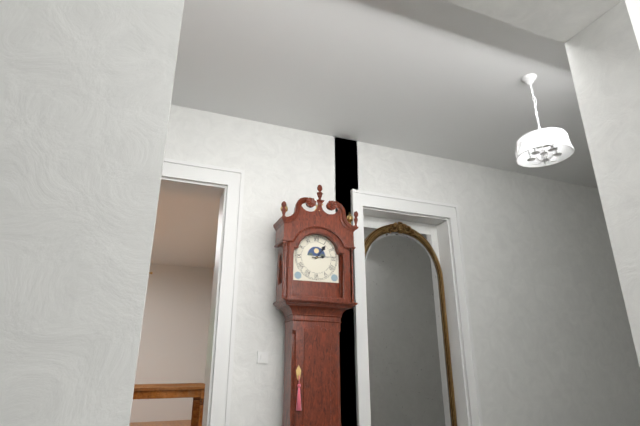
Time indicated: 1:14
